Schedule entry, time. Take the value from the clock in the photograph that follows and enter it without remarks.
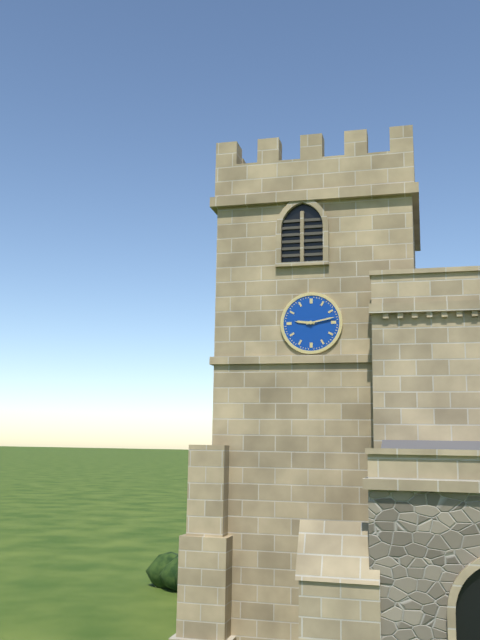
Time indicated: 9:13
